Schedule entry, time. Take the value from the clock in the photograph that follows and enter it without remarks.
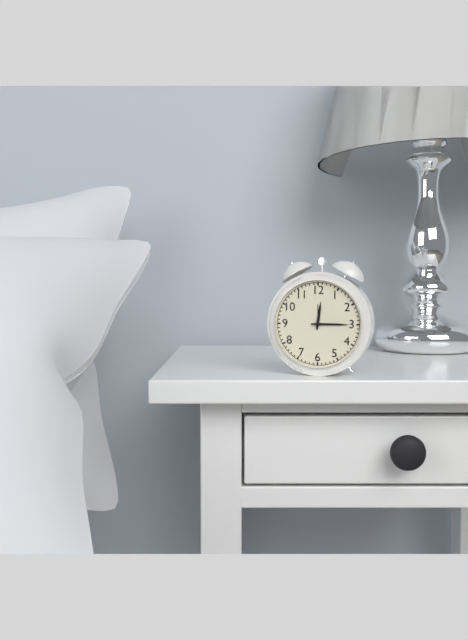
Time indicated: 12:15
